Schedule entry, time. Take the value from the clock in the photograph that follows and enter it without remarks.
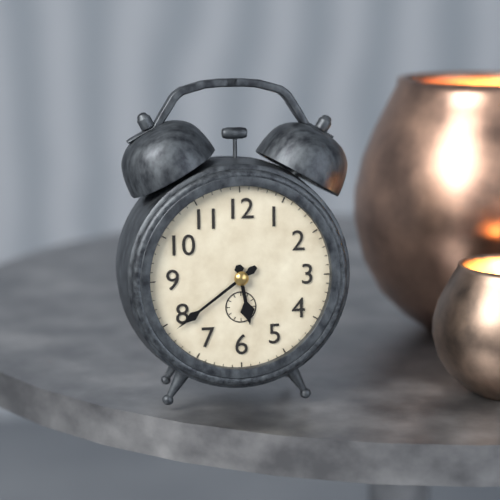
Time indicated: 5:39
